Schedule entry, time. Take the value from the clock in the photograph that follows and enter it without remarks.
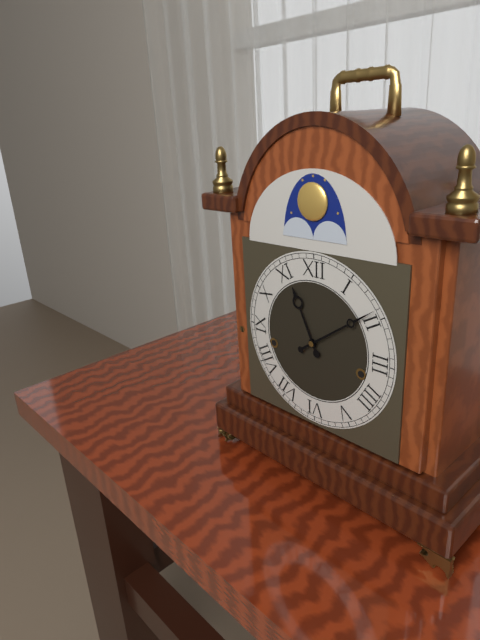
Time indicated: 11:09
